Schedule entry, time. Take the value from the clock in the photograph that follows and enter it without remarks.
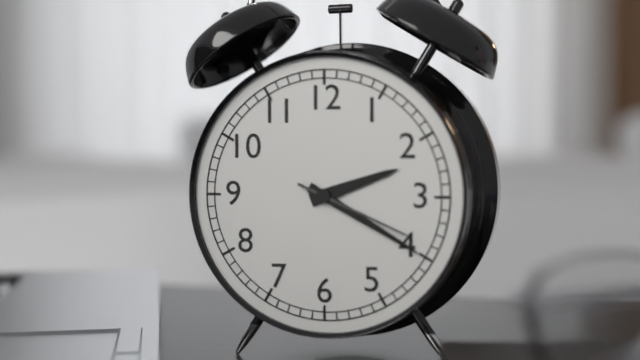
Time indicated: 2:20:19
